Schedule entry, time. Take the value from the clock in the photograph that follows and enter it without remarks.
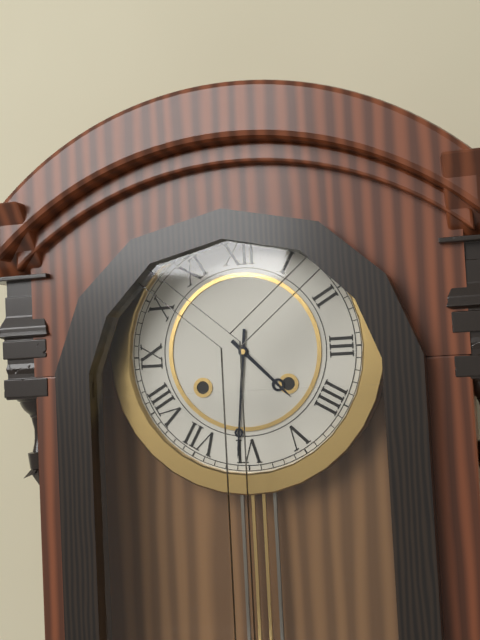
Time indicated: 4:31
